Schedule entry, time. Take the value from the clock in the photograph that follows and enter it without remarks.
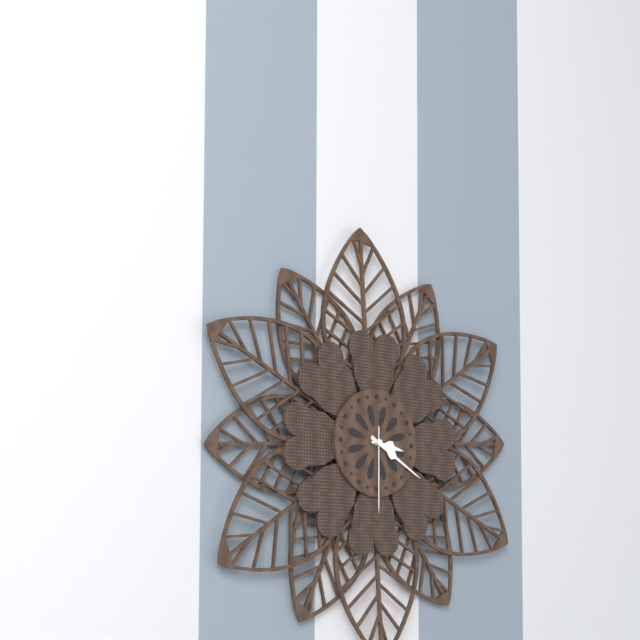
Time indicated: 3:20:30
